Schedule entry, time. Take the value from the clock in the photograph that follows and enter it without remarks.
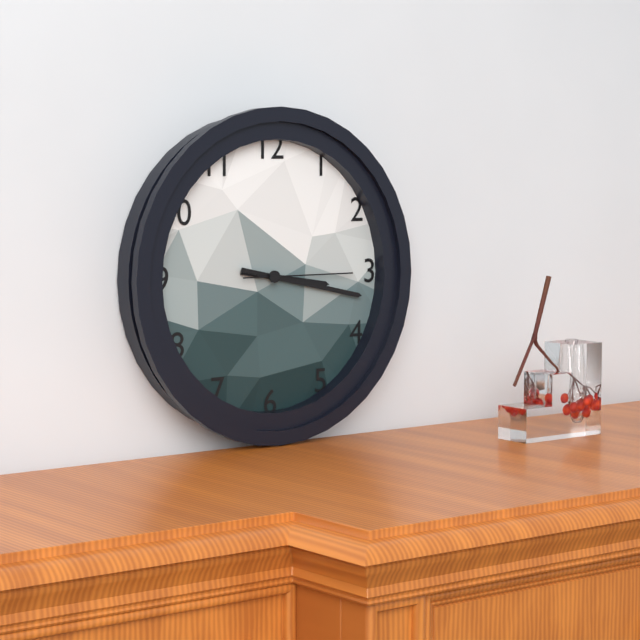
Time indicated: 3:17:15
